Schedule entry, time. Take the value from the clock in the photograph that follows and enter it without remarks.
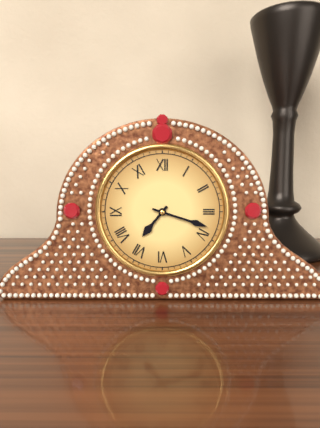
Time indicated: 7:18
